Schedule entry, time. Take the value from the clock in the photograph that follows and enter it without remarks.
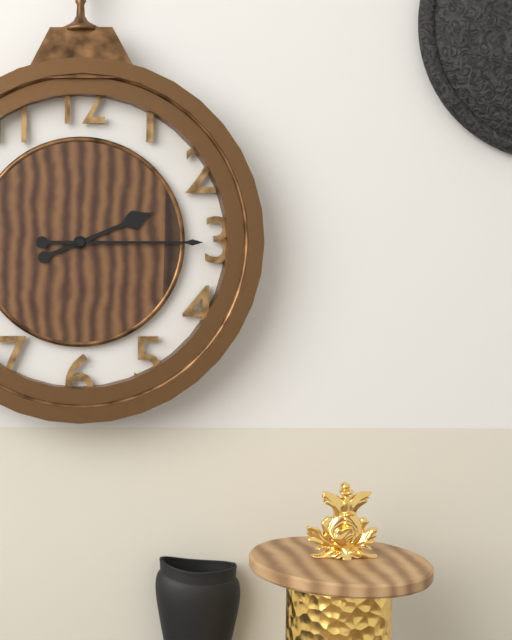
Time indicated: 2:15
